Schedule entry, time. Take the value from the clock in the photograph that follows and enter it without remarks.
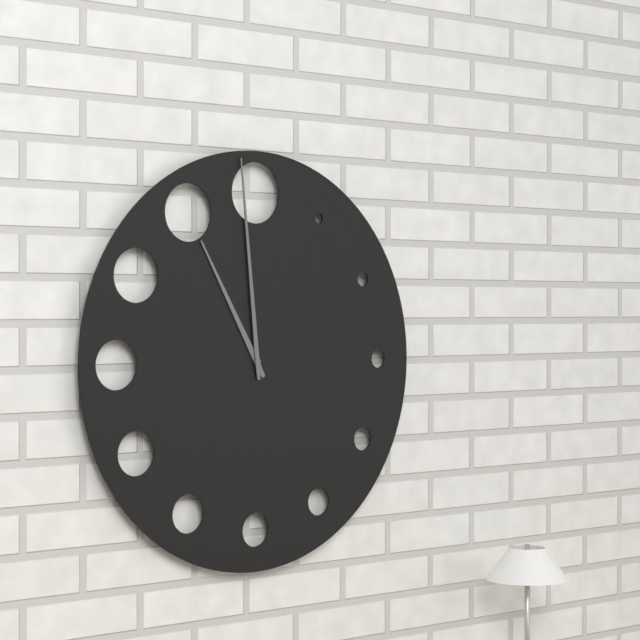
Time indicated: 10:59
